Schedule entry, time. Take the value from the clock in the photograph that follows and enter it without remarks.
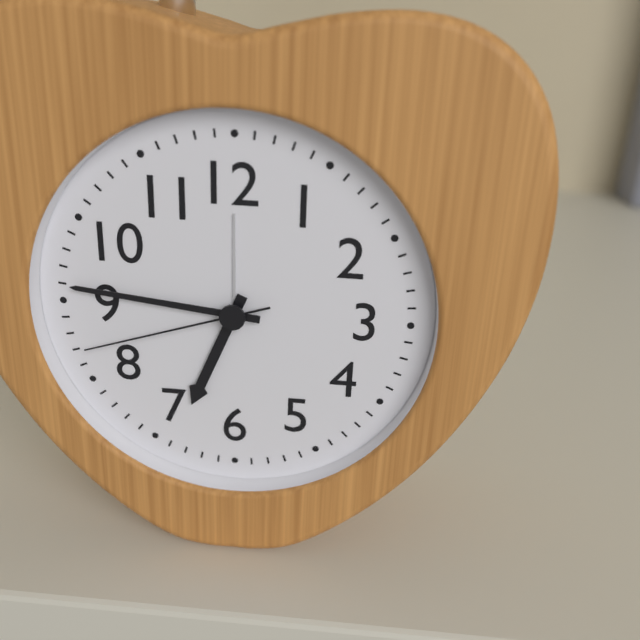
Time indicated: 6:46:42
